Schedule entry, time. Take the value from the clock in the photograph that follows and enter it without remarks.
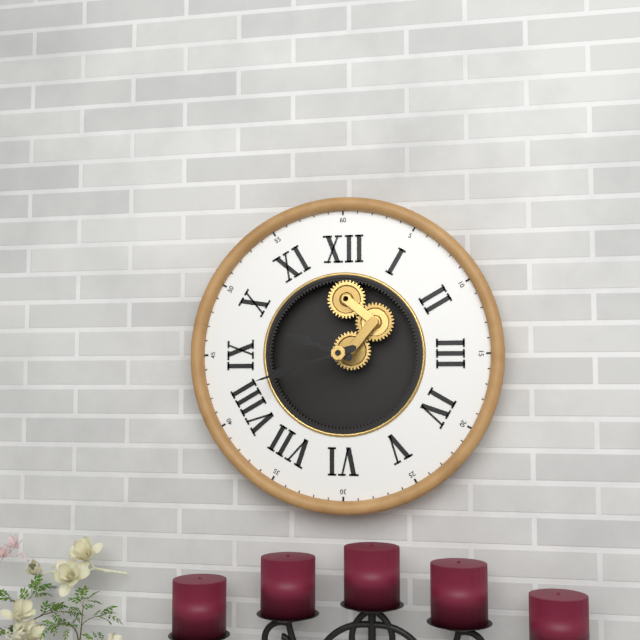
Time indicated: 9:42
